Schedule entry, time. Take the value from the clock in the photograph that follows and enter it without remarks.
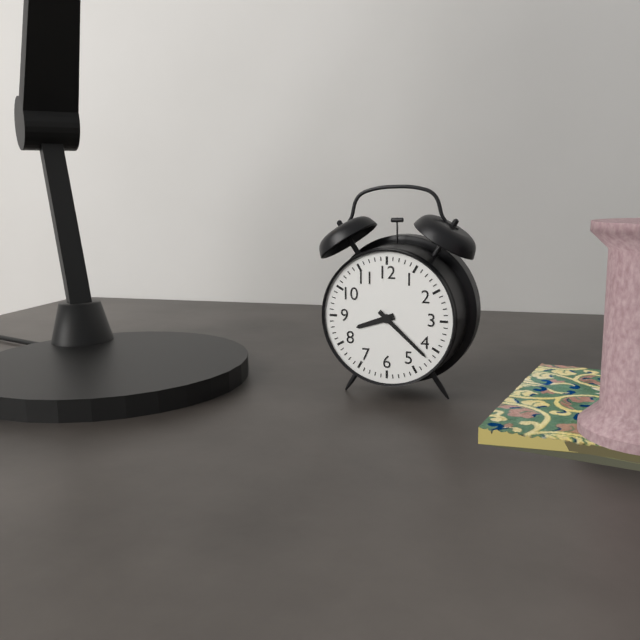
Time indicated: 8:22
